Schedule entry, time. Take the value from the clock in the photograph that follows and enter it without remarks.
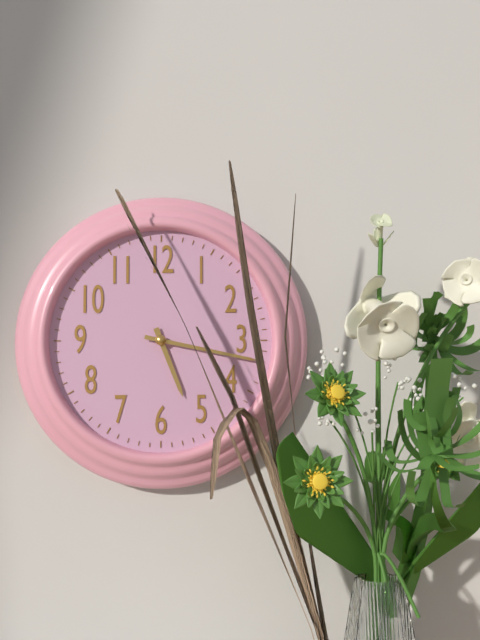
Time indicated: 5:17
